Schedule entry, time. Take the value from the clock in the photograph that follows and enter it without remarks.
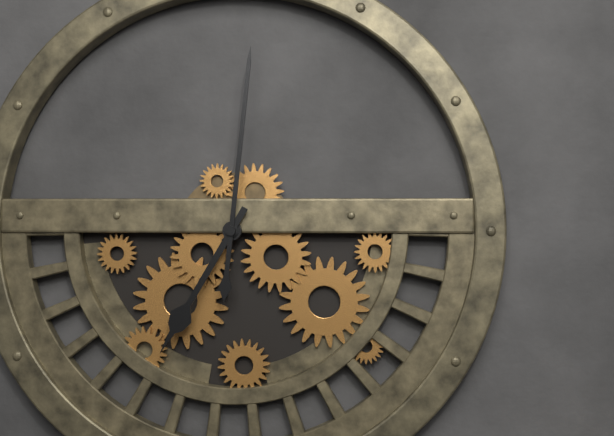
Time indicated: 7:01
